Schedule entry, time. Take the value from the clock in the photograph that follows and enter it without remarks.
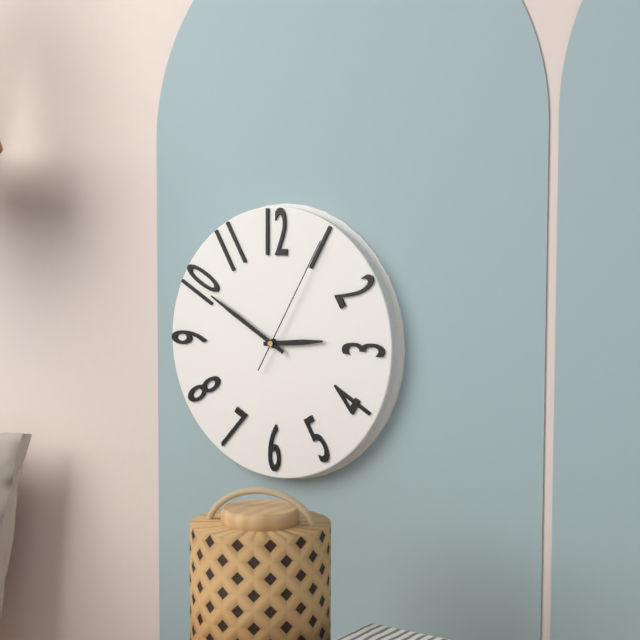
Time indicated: 2:50:05
